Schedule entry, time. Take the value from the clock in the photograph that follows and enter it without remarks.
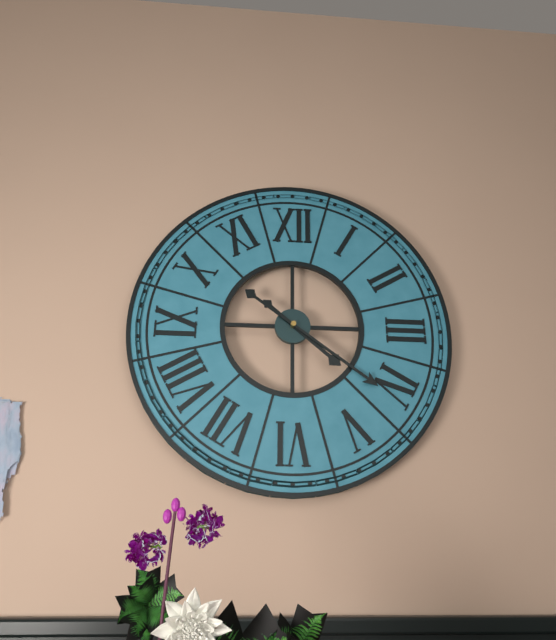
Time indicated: 4:21
